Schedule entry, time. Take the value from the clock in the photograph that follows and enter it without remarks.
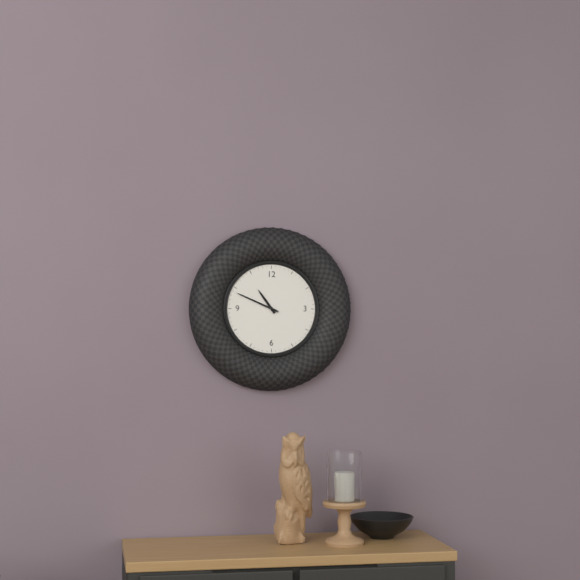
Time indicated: 10:49
